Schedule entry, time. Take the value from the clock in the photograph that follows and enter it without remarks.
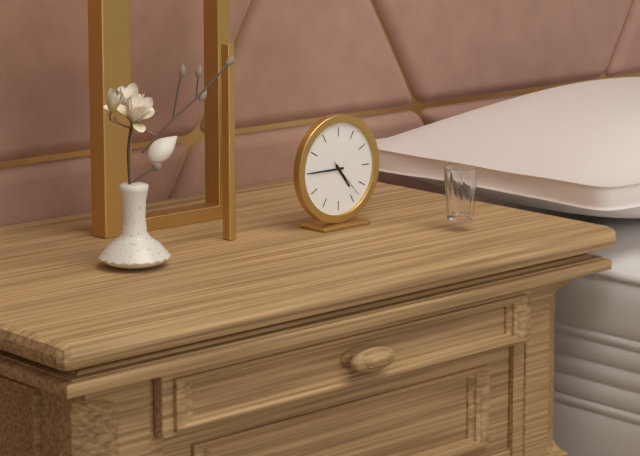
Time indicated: 4:45
